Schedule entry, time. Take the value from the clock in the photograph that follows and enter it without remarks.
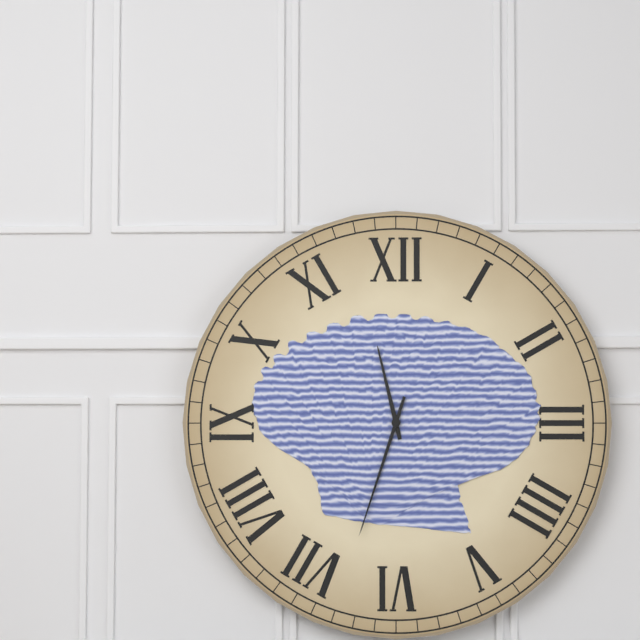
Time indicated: 11:33
